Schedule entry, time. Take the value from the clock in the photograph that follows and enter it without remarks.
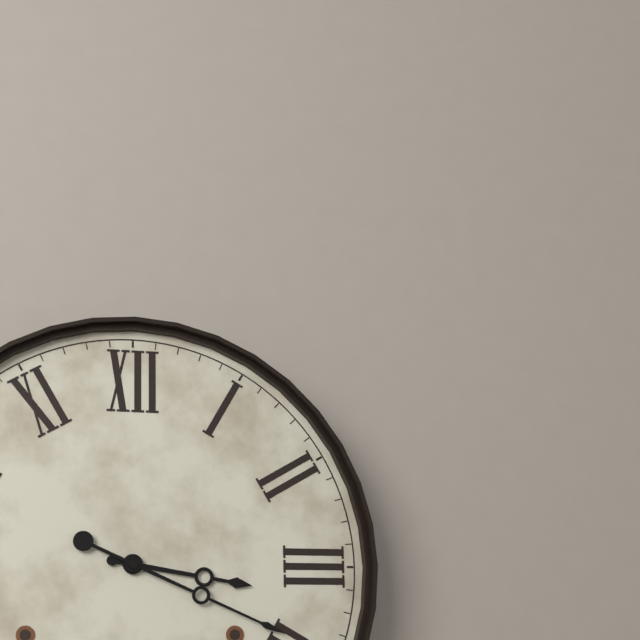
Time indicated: 3:19
